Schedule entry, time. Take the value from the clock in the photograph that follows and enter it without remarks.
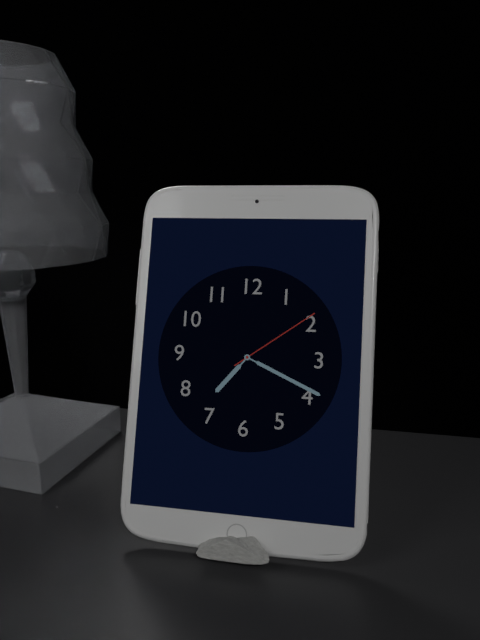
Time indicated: 7:19:09
